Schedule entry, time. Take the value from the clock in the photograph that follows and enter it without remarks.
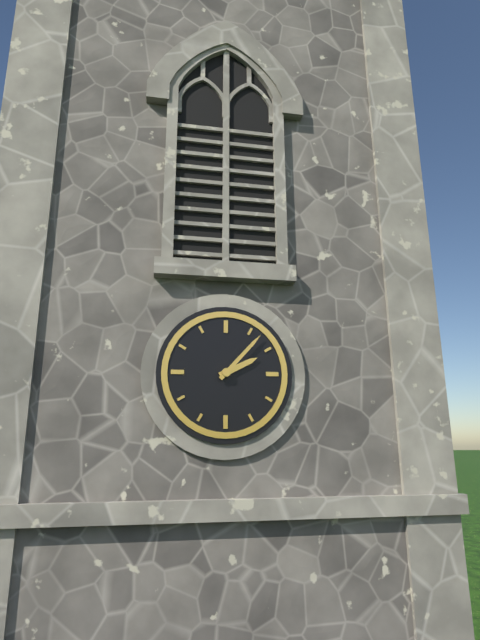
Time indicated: 2:07
